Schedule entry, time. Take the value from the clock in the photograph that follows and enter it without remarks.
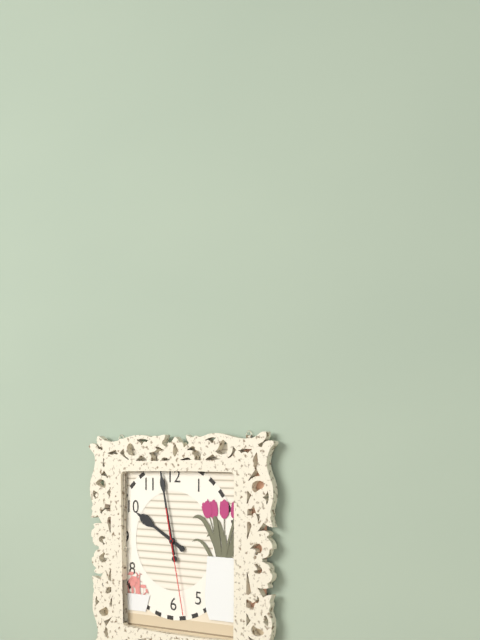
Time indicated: 9:58:28
